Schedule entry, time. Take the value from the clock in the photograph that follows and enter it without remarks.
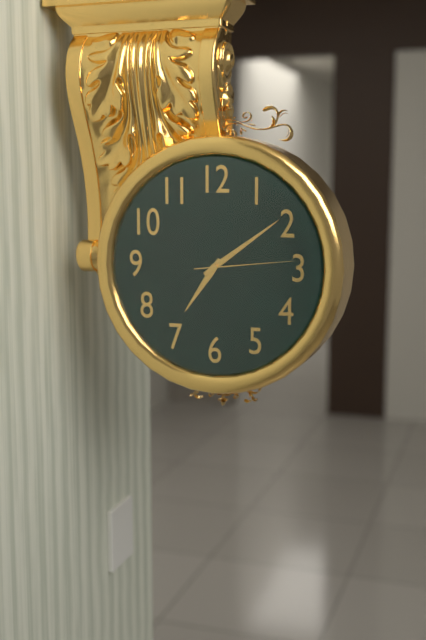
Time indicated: 7:09:14
